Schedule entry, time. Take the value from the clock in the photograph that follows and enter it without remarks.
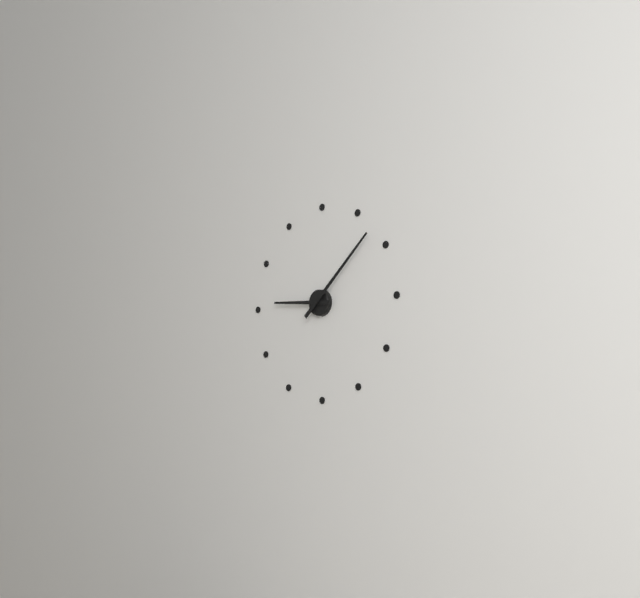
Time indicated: 9:08
